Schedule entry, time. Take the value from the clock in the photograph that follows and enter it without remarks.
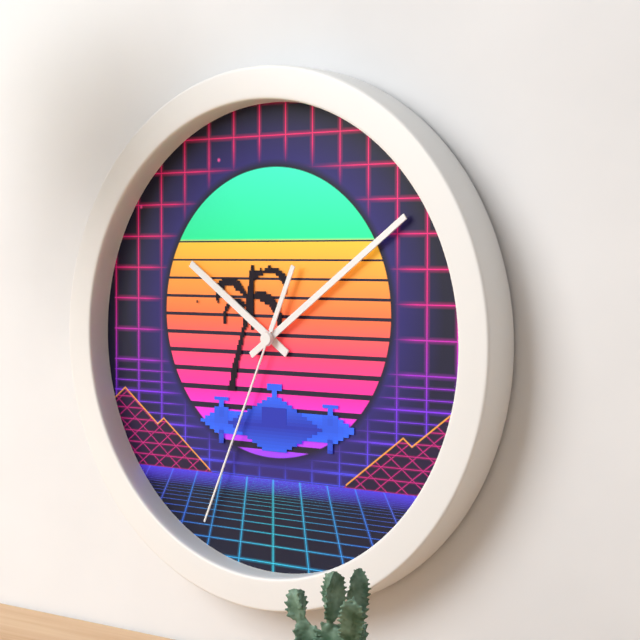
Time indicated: 10:09:34
